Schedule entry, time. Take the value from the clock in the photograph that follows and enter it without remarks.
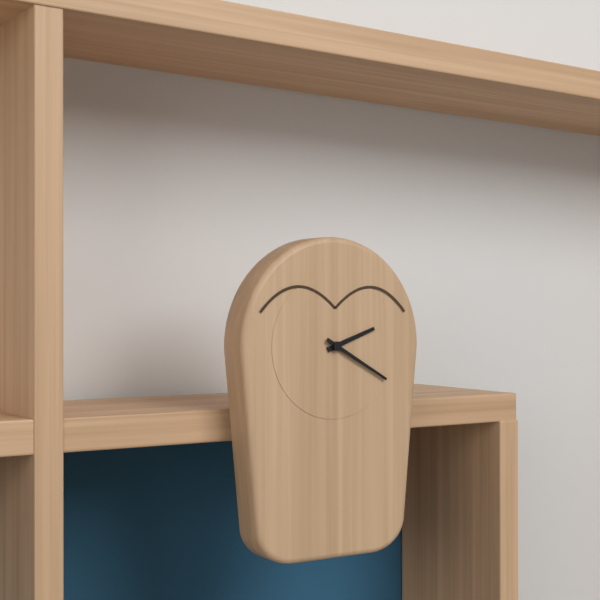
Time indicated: 2:20
